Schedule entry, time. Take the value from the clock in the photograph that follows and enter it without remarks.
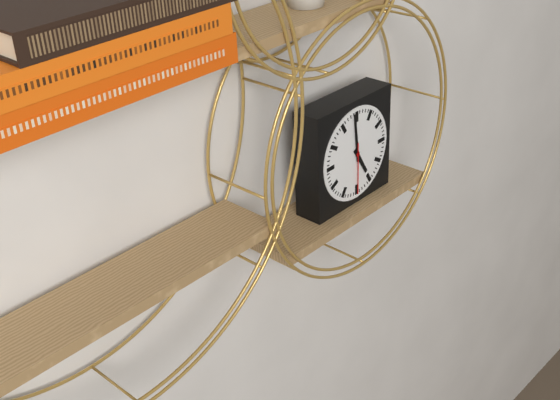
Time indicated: 4:59
